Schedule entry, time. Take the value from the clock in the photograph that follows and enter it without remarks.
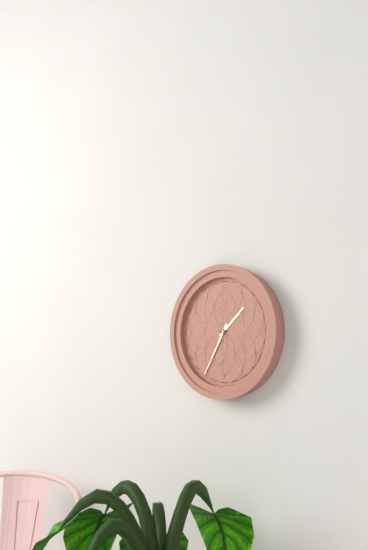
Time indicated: 1:35
